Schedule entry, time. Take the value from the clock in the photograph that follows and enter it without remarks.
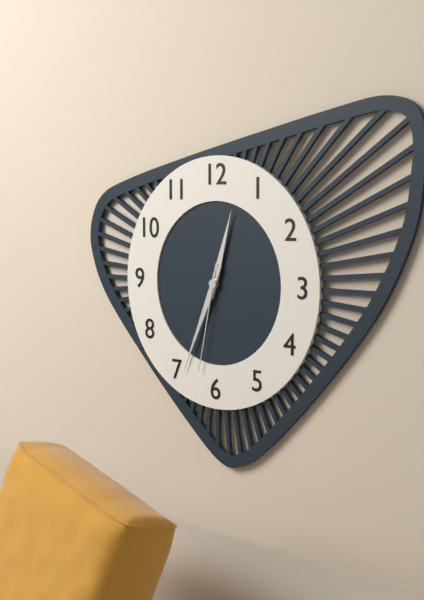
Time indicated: 12:34:32
